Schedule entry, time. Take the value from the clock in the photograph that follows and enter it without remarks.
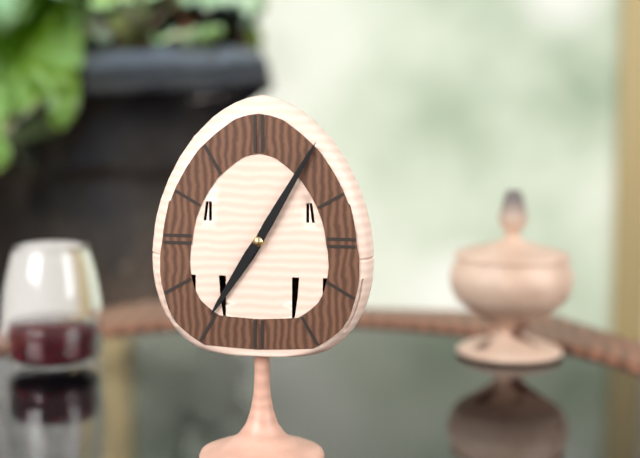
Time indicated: 7:05
